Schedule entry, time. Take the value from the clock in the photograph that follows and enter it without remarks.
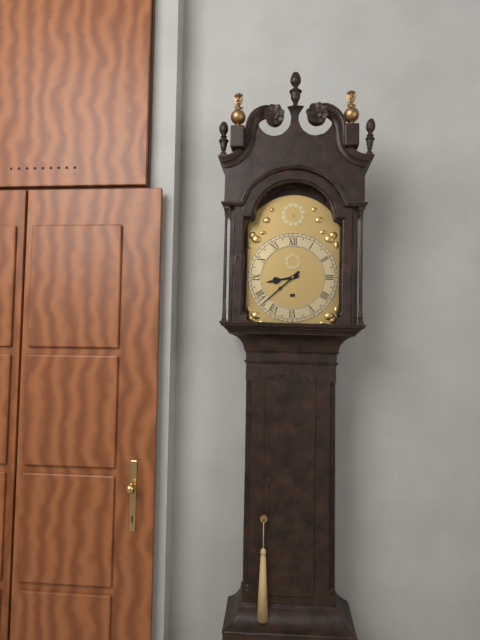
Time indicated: 8:38
